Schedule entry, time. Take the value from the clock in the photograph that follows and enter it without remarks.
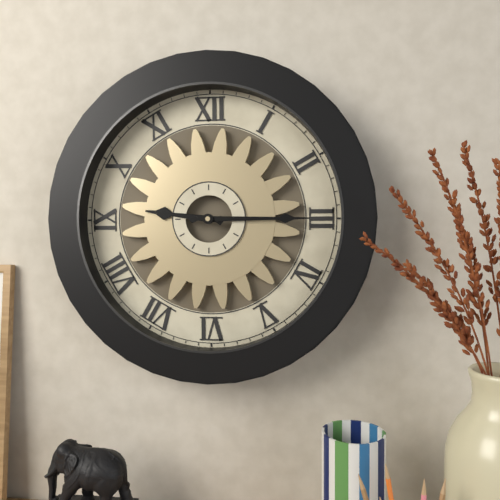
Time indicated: 9:15
